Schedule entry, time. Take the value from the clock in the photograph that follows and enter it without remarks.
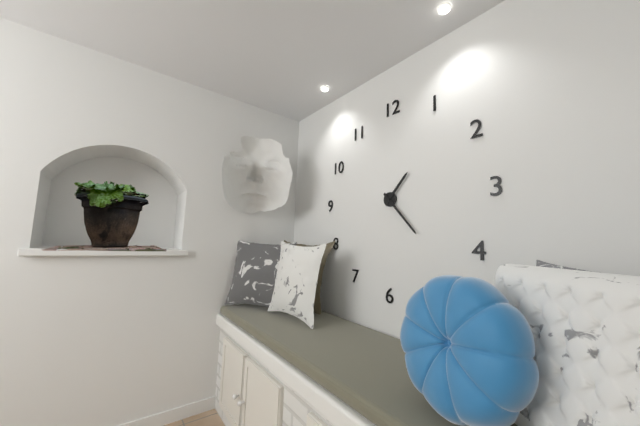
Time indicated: 1:23
